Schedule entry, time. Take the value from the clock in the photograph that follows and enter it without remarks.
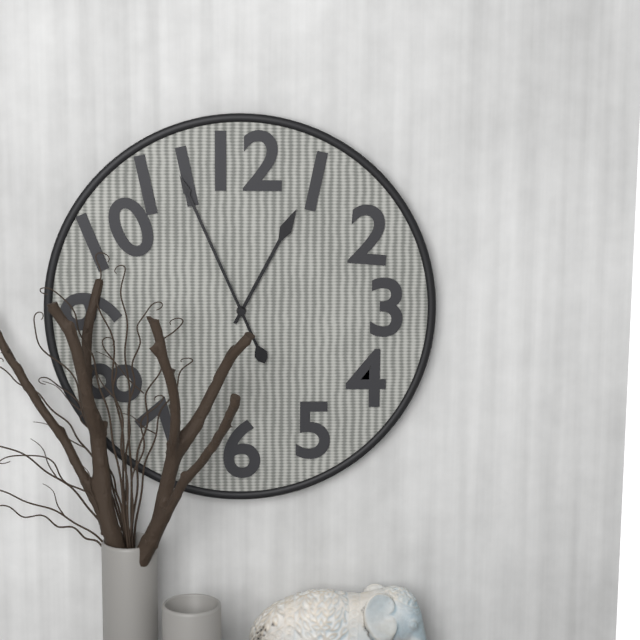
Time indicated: 12:56
